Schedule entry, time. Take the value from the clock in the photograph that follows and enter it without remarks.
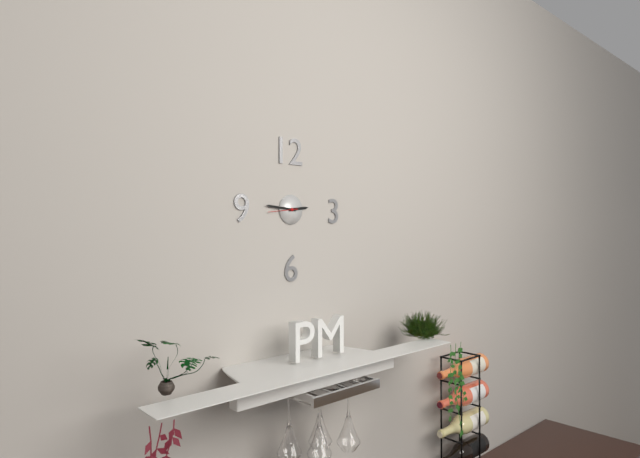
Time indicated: 2:46
